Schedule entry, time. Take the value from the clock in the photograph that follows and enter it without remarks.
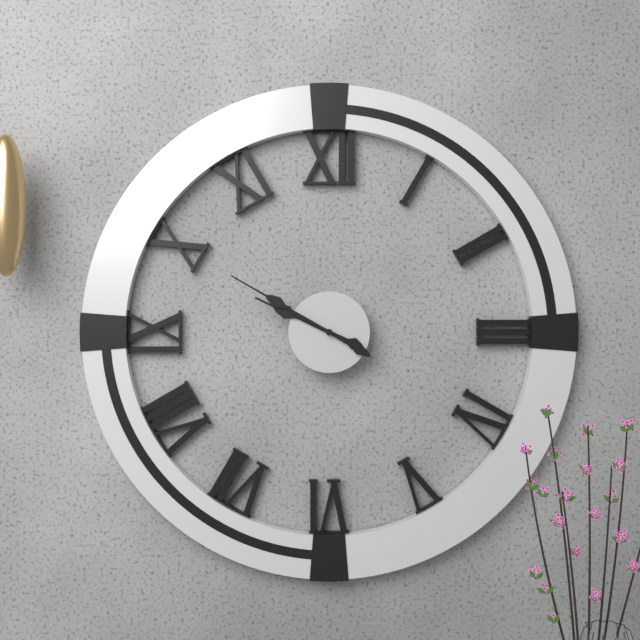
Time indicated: 9:50
